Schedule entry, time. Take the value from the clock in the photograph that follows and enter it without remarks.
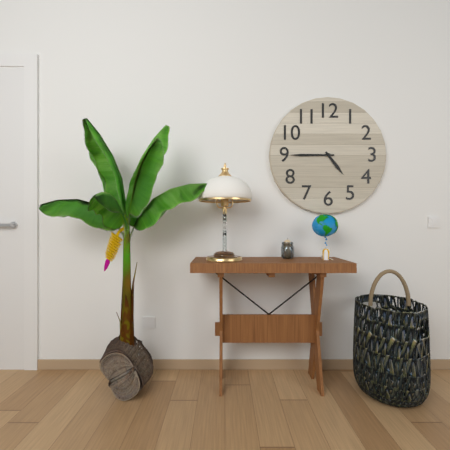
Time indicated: 4:45
